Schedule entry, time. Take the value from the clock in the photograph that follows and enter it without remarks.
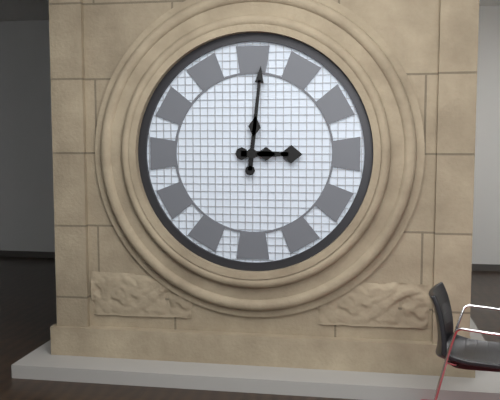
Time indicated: 3:01
